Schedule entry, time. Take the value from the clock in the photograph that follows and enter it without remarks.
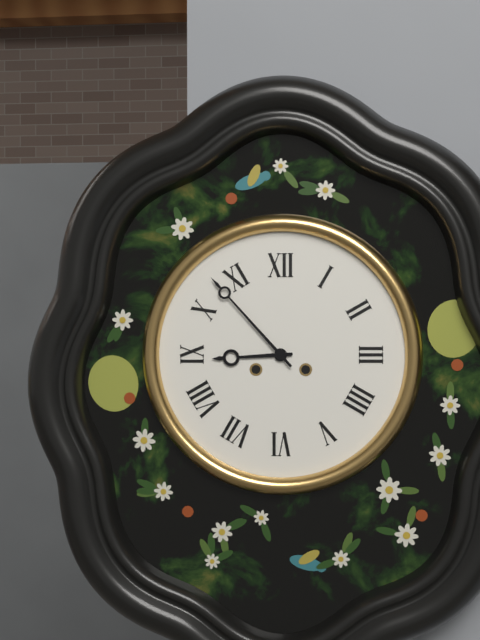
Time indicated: 8:53
